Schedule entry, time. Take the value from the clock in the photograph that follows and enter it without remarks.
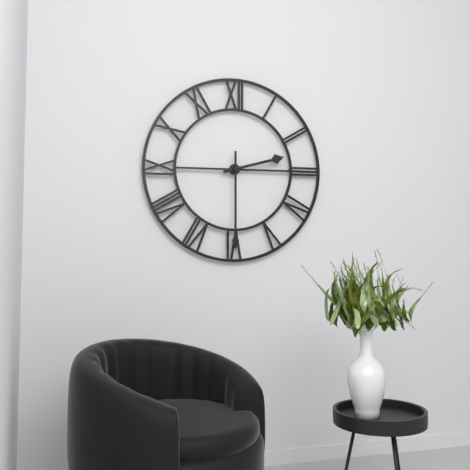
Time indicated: 2:30
